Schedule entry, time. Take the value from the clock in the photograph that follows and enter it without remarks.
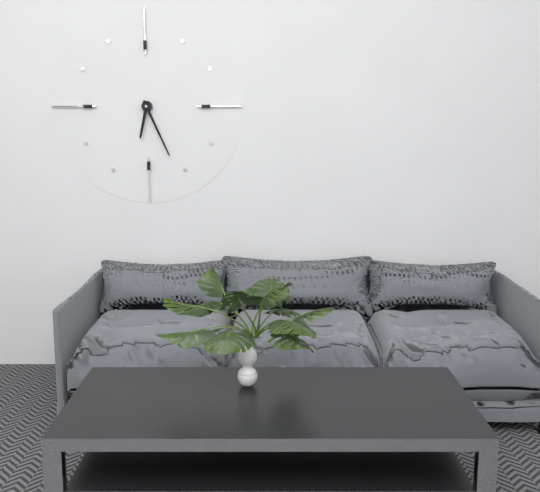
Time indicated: 6:26
